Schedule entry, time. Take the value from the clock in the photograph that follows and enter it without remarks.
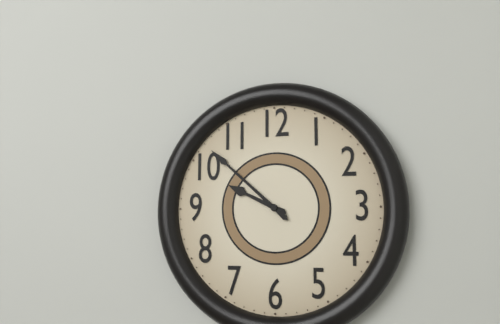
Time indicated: 9:52
